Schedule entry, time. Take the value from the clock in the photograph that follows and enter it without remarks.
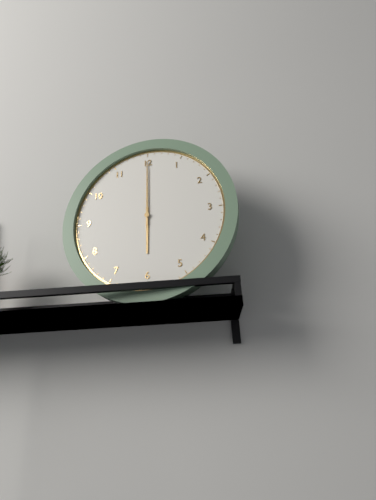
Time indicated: 6:00
